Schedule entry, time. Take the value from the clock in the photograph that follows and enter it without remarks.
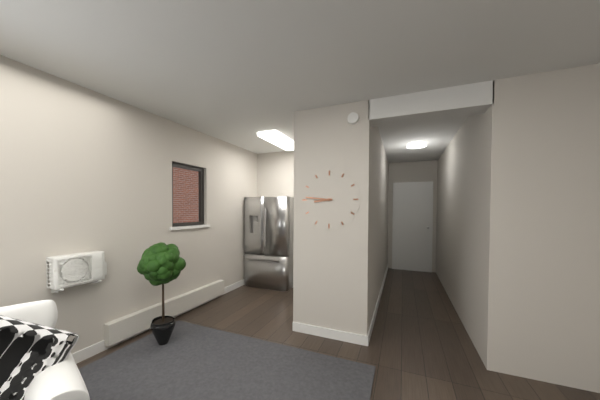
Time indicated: 8:46
